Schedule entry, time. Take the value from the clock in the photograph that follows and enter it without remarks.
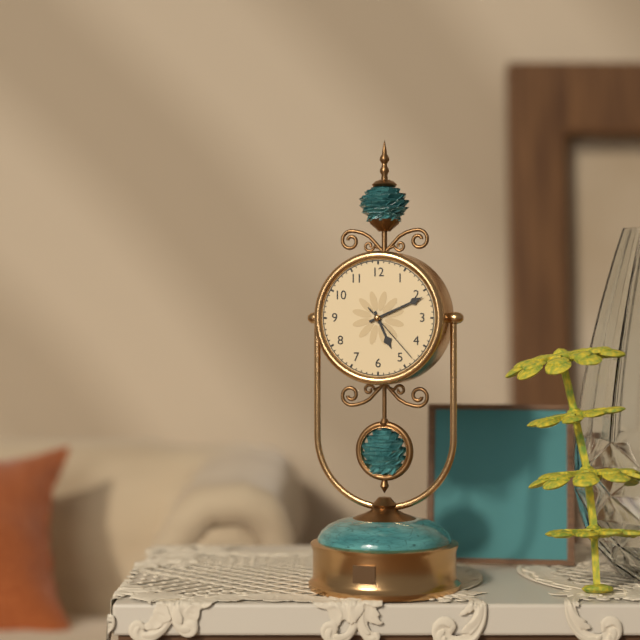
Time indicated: 5:11:23
